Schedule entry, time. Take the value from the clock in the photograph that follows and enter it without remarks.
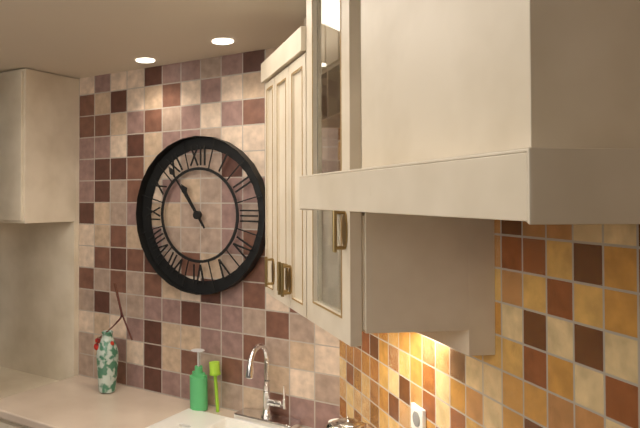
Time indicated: 10:54
